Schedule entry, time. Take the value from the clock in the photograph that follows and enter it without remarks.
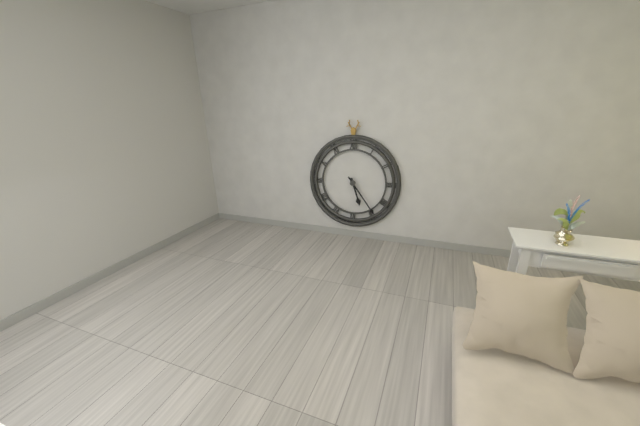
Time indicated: 5:24
